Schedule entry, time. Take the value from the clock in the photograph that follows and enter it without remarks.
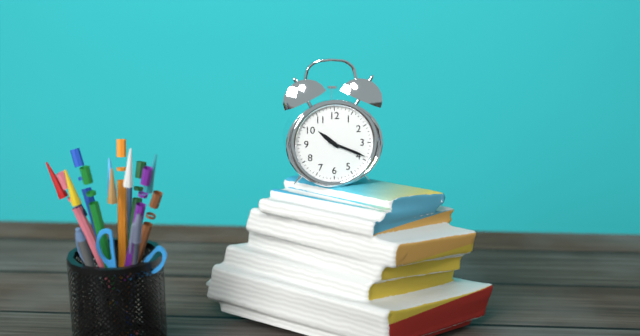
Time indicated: 10:19
